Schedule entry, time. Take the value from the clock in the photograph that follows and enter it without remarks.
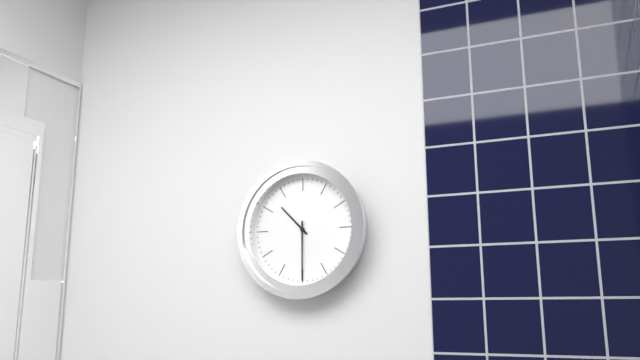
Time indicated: 10:30
